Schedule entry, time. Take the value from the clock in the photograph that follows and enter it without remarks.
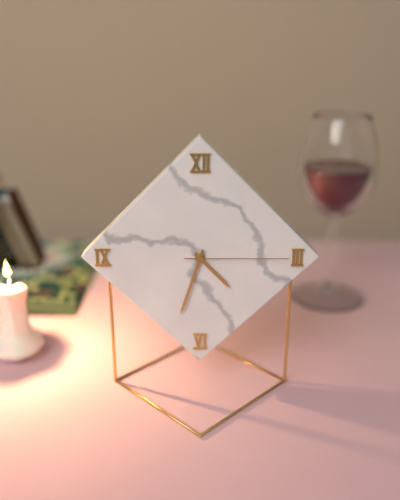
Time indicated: 4:33:15
